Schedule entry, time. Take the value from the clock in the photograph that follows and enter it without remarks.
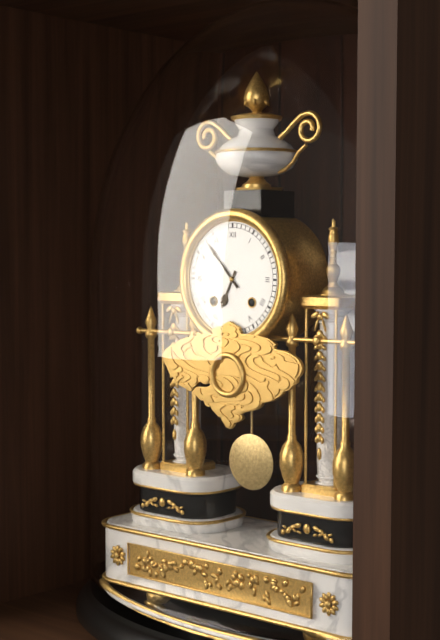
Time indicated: 6:53
